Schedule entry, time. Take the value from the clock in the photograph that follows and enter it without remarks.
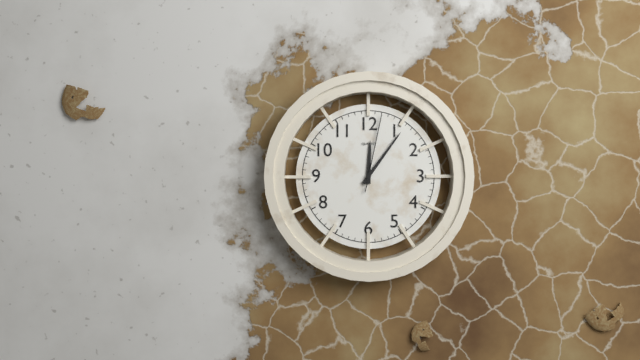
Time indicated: 12:06:02
